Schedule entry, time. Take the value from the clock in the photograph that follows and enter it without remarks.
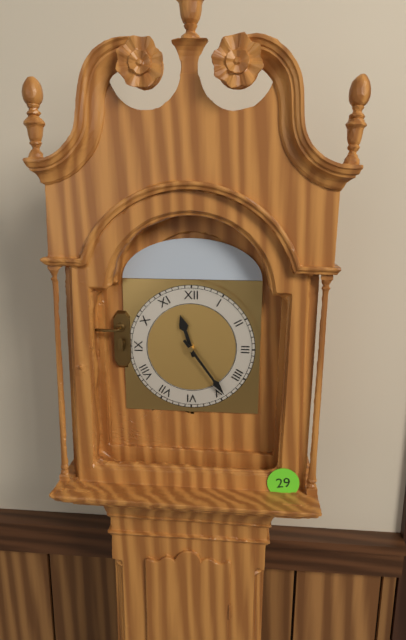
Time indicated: 11:24
